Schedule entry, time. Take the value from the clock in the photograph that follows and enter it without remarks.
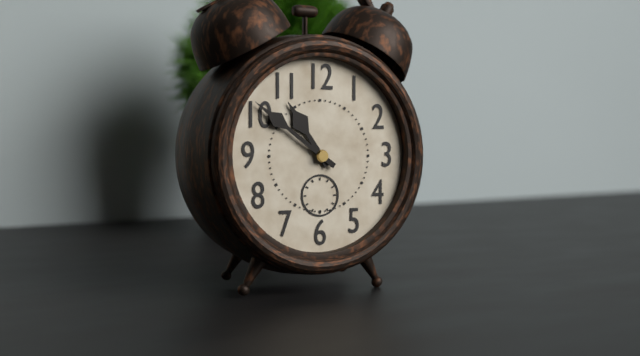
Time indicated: 10:51
